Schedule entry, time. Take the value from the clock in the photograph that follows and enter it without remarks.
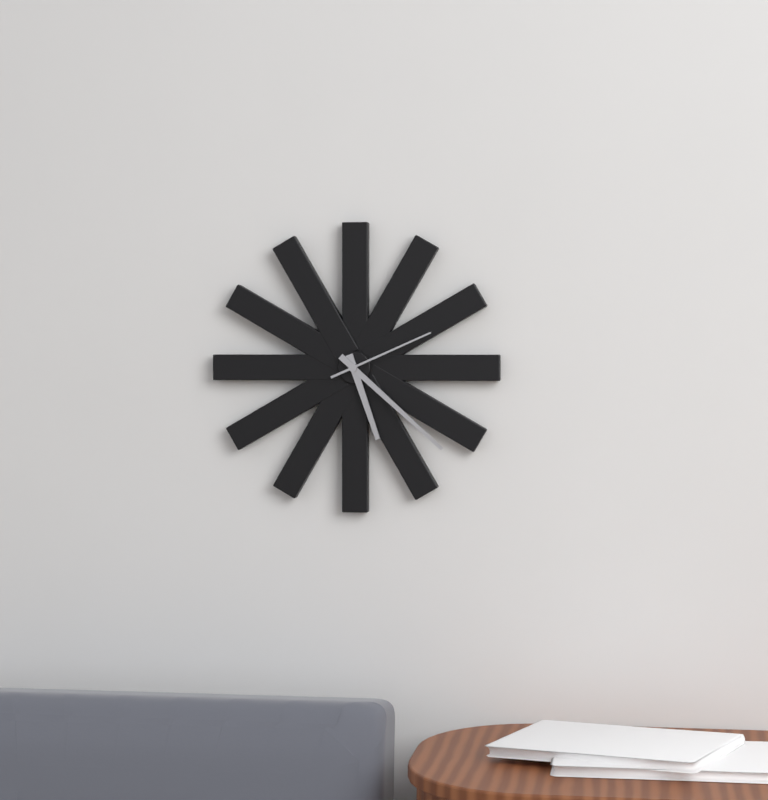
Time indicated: 5:22:11
